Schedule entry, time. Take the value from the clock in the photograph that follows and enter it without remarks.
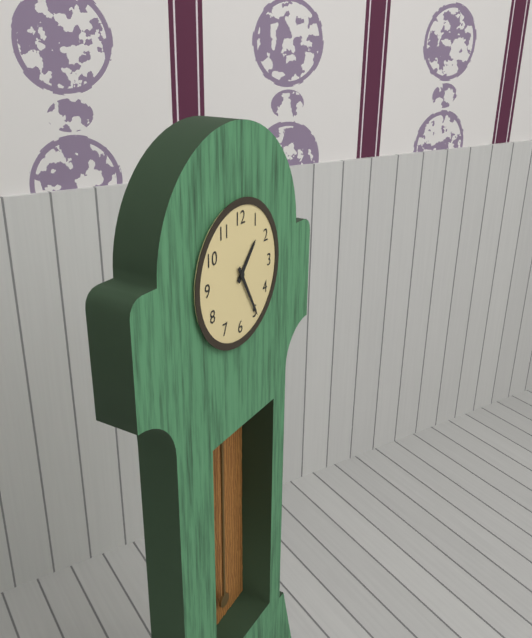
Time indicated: 1:25
